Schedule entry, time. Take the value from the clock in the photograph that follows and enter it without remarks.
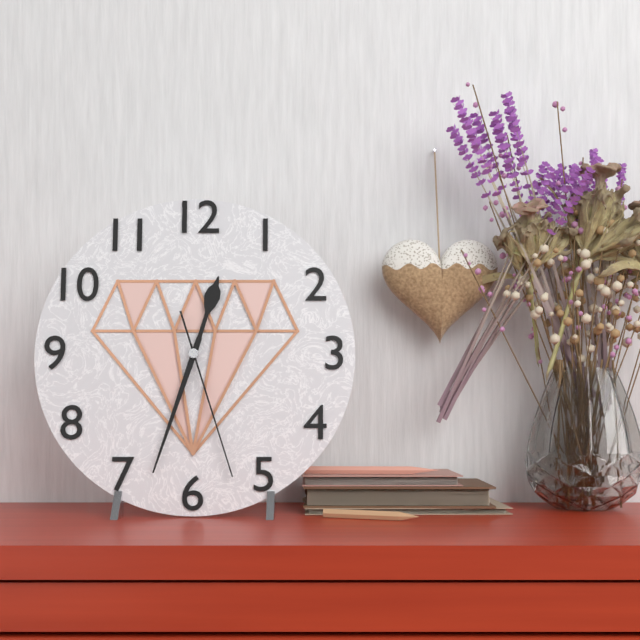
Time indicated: 12:33:27
